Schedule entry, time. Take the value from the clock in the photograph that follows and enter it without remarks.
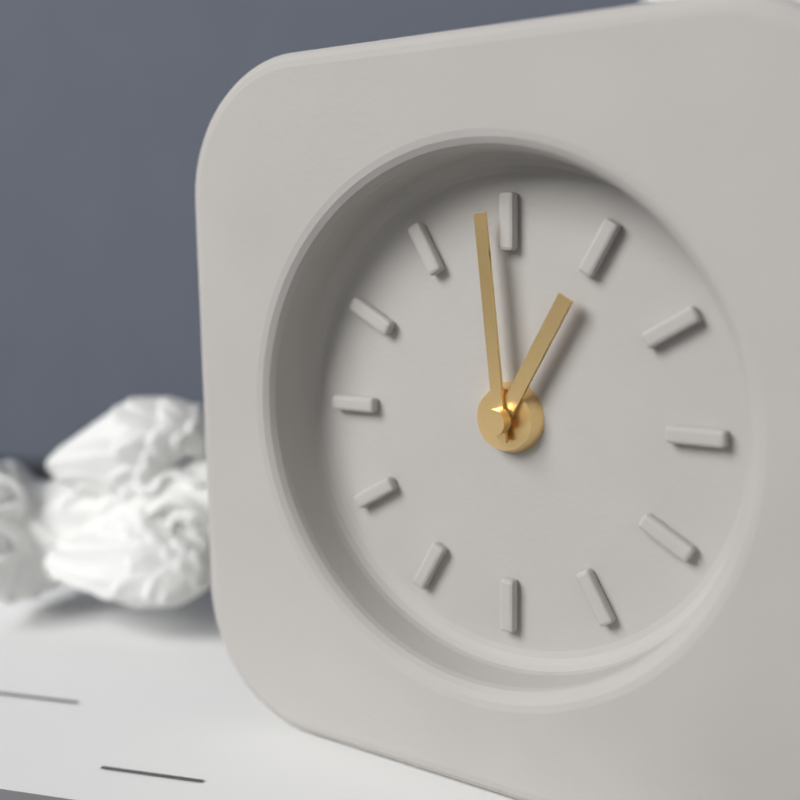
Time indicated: 12:59
